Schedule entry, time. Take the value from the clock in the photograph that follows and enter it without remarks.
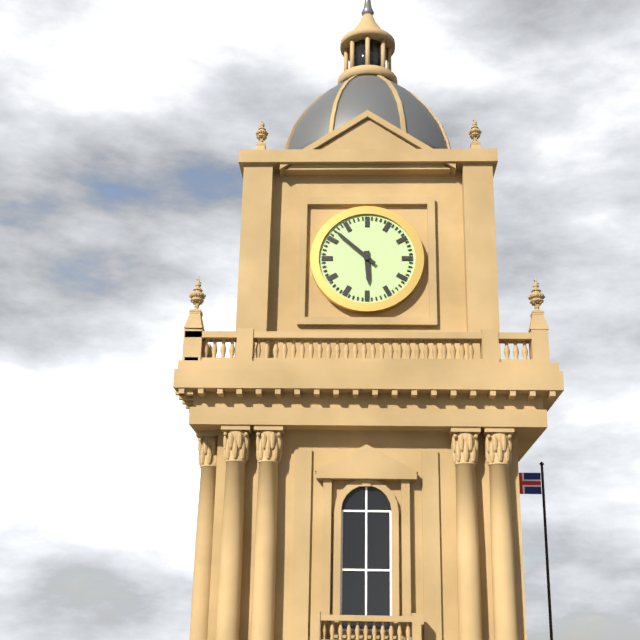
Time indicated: 5:52
